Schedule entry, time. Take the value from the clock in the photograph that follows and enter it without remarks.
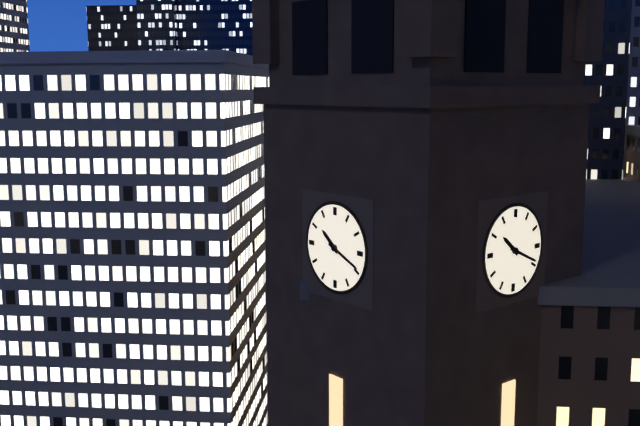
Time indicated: 10:19
